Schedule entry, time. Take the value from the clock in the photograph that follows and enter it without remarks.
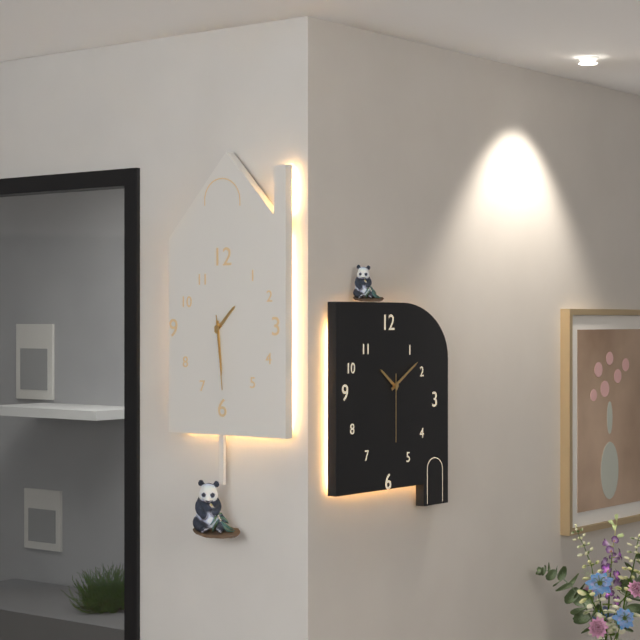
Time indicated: 1:29:29
